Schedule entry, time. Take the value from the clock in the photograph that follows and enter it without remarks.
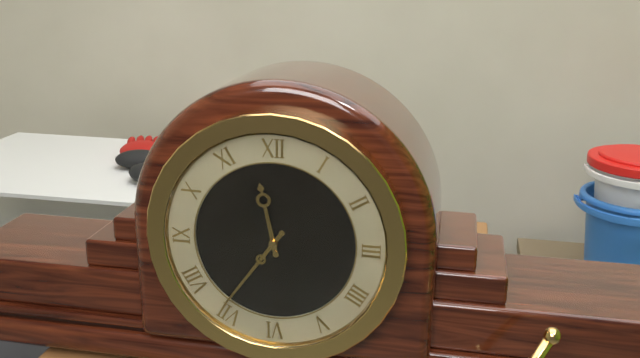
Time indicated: 11:36
